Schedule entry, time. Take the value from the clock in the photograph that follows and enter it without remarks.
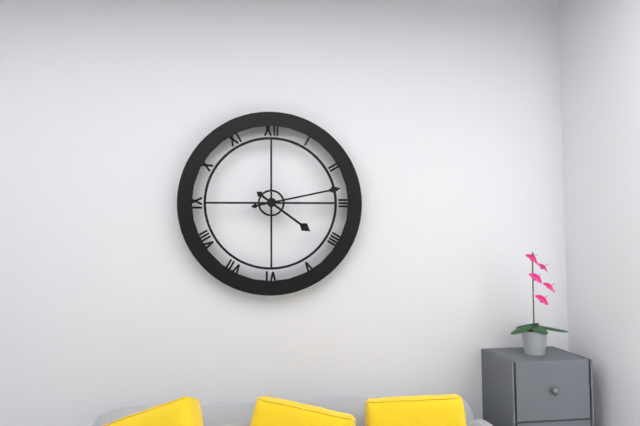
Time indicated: 4:13
